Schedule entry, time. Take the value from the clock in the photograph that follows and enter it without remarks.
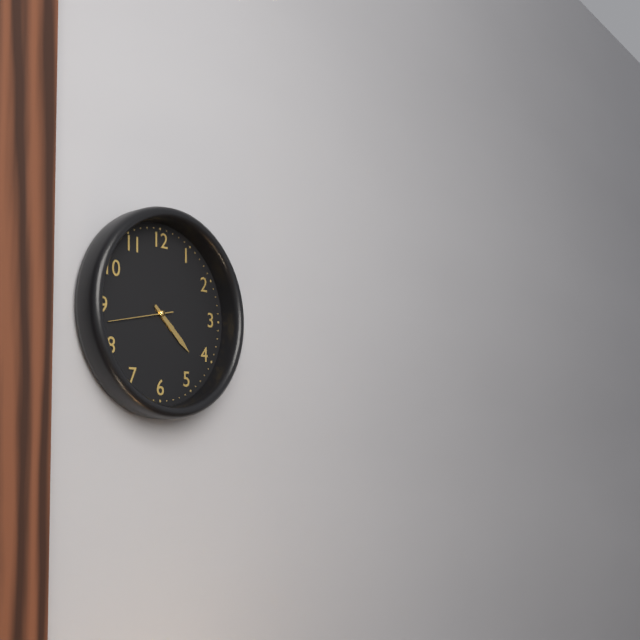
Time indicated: 4:22:43
